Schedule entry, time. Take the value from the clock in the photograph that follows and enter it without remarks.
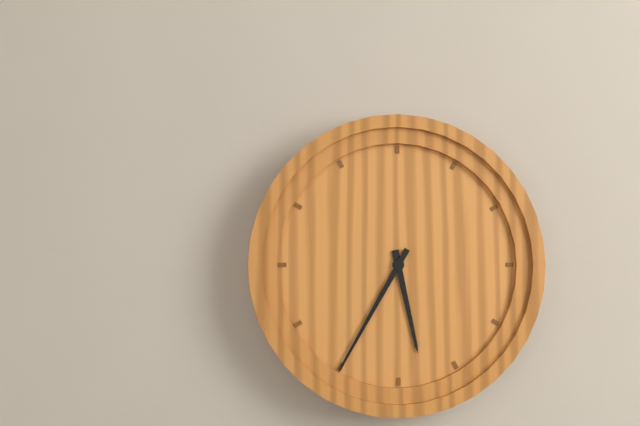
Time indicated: 5:35
